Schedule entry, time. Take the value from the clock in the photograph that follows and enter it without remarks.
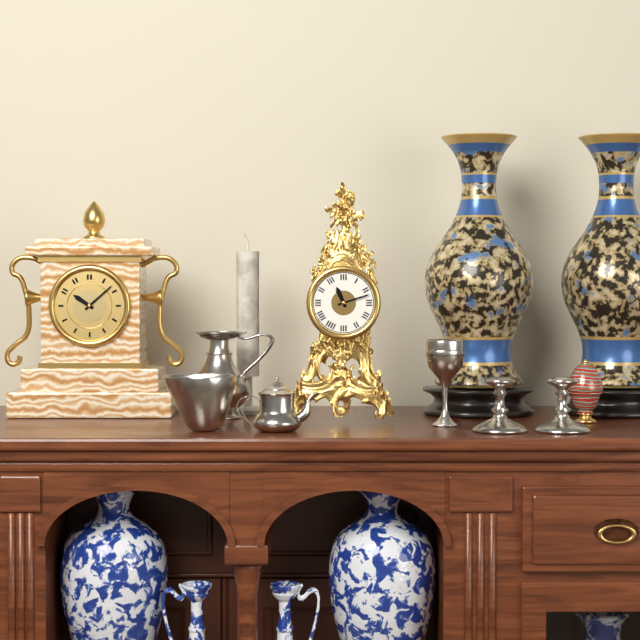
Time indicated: 11:12
